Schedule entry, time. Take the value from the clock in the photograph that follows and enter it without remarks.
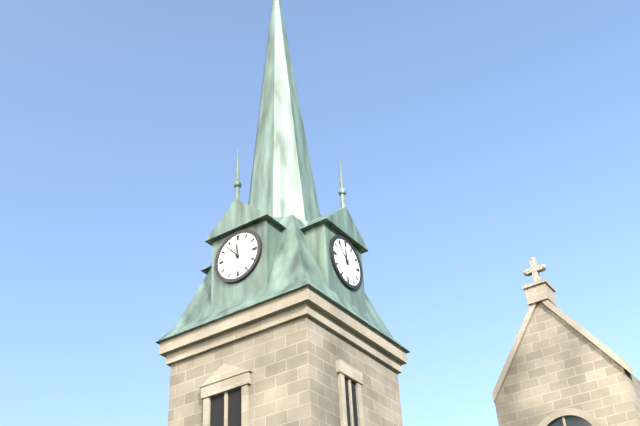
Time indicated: 11:53
